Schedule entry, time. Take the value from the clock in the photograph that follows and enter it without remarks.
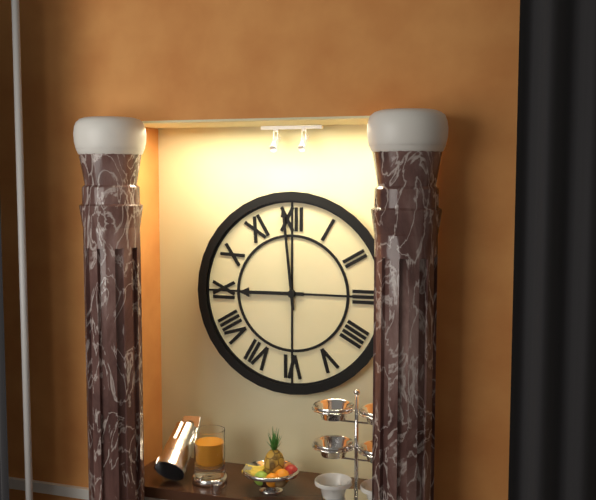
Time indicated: 8:59
